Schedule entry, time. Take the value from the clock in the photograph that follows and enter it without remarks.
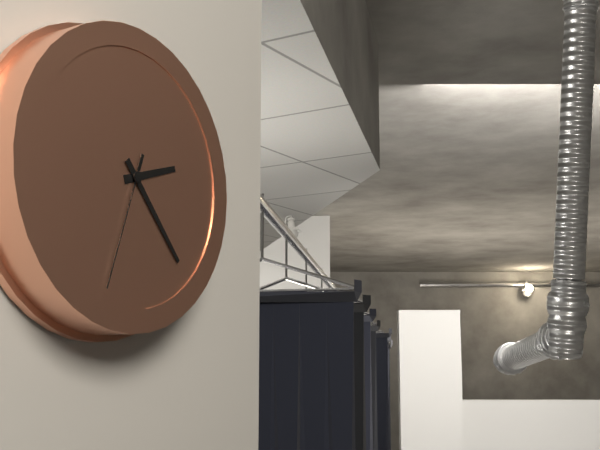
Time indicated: 2:23:33
